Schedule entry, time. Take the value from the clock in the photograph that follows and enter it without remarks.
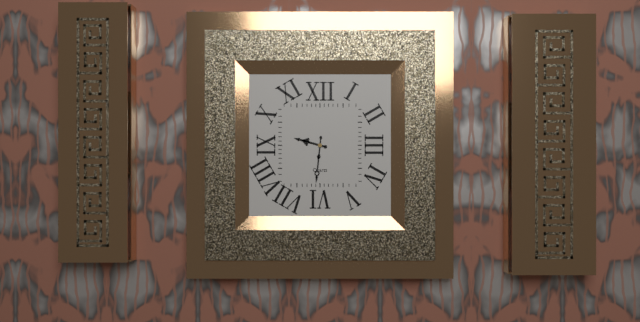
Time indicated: 9:31
